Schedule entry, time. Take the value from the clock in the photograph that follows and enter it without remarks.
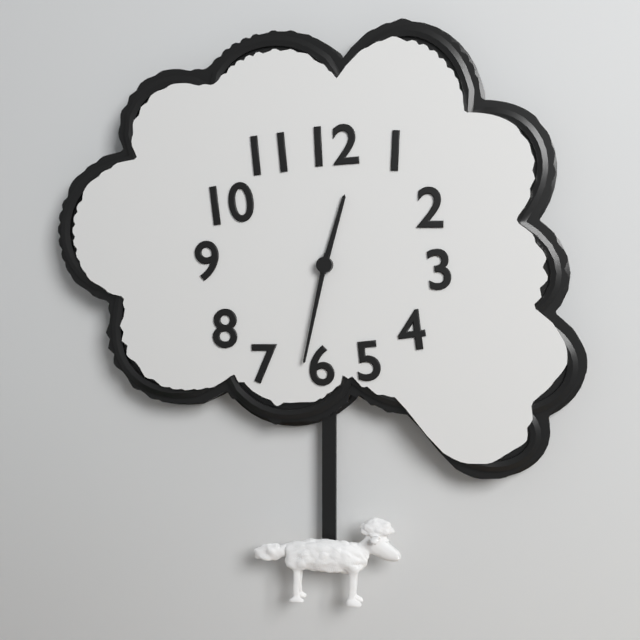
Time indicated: 12:32
